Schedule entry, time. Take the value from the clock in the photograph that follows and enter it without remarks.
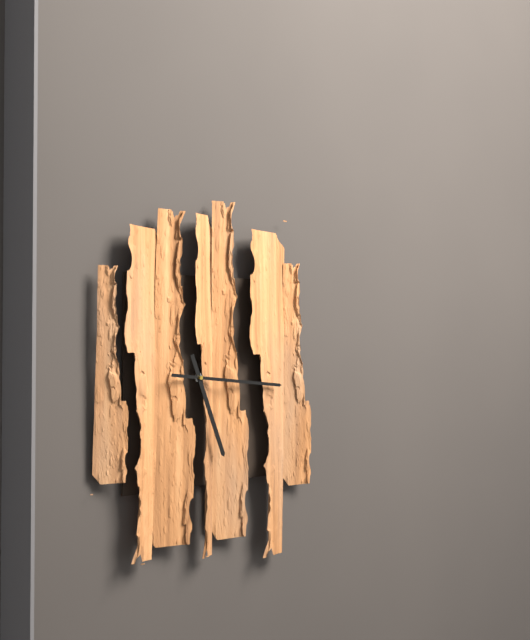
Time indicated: 5:16
